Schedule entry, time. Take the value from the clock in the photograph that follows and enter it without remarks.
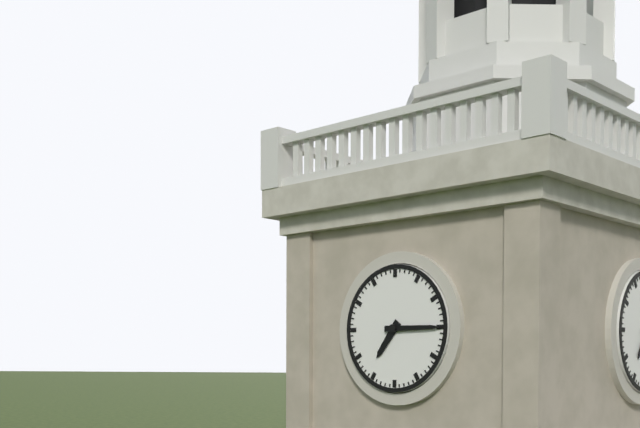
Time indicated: 7:15
